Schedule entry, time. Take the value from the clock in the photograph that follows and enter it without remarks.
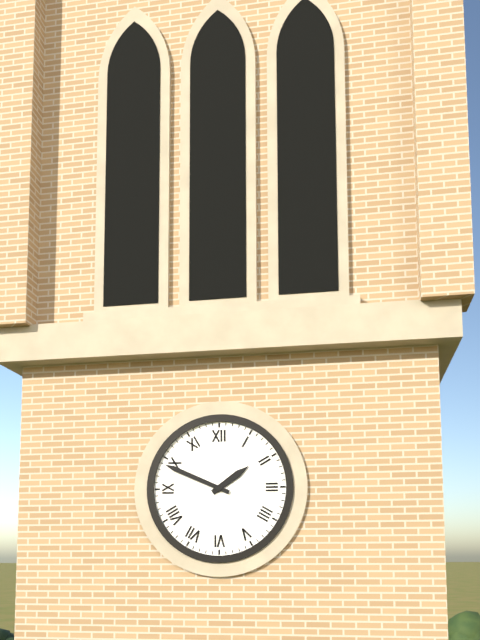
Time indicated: 1:49
